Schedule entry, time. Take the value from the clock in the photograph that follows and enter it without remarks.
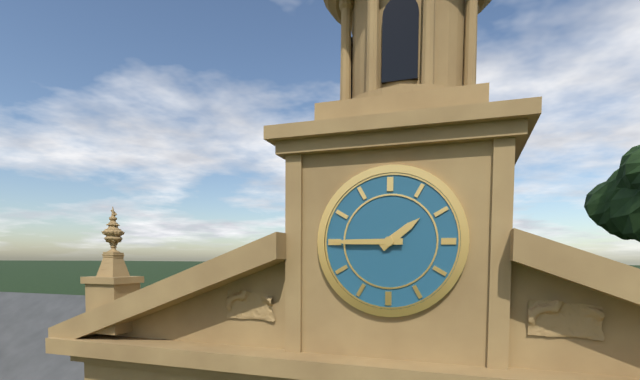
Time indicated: 1:45
